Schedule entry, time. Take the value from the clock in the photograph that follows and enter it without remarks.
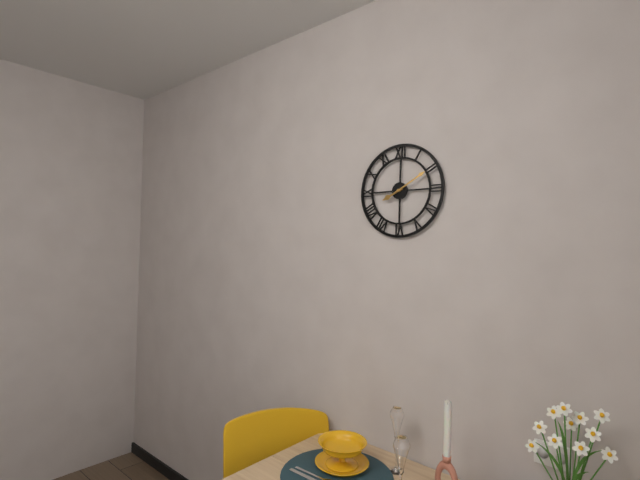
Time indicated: 8:10
